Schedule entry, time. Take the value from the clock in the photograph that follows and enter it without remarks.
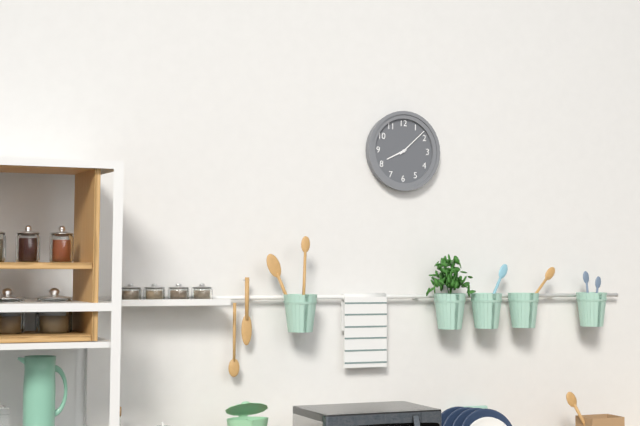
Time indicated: 8:08
